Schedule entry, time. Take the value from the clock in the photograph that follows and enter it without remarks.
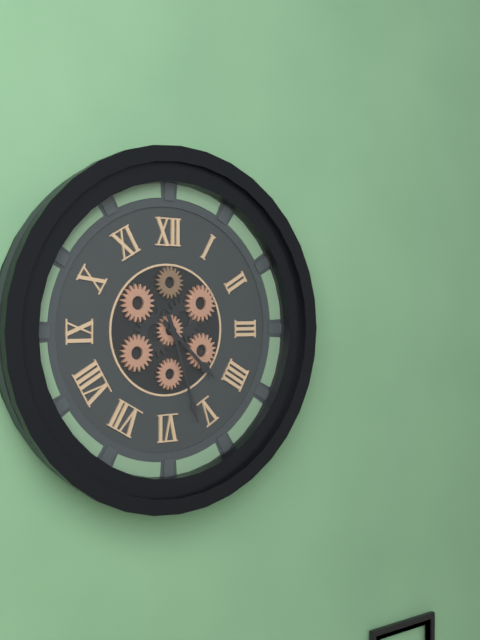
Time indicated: 4:27
